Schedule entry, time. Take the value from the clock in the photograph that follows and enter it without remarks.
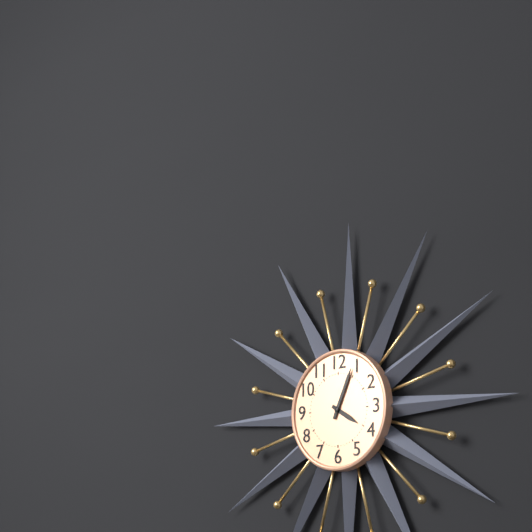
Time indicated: 4:04
